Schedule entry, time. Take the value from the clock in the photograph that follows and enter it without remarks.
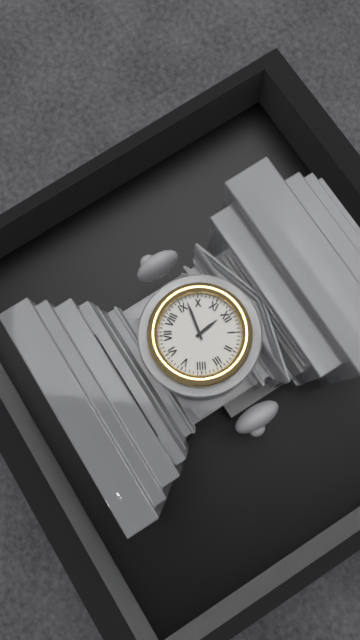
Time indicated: 11:47
